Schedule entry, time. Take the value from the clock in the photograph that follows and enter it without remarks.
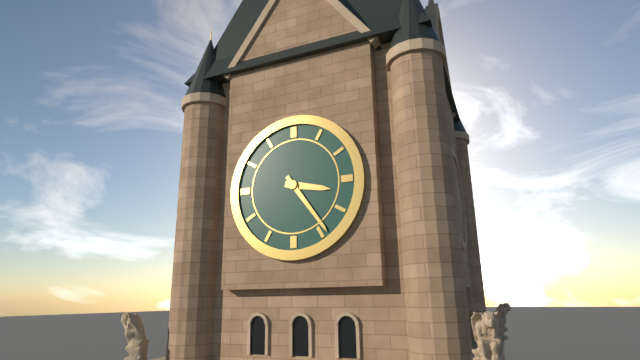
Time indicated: 3:24
